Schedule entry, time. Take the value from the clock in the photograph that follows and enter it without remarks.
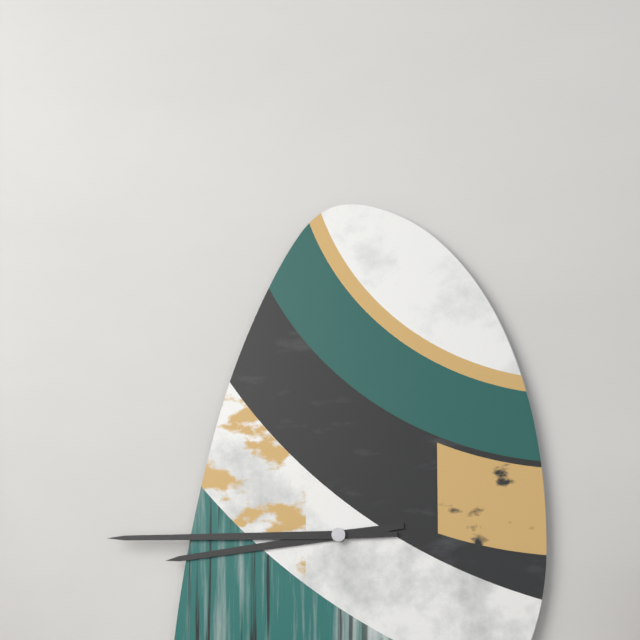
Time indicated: 8:45
